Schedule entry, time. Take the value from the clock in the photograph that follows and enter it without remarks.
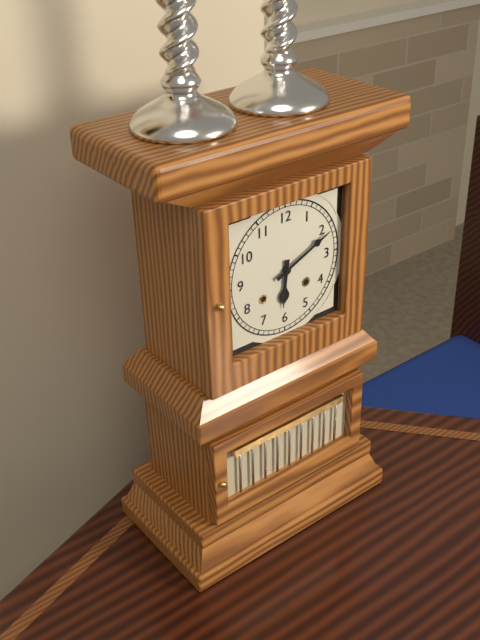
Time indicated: 6:11
